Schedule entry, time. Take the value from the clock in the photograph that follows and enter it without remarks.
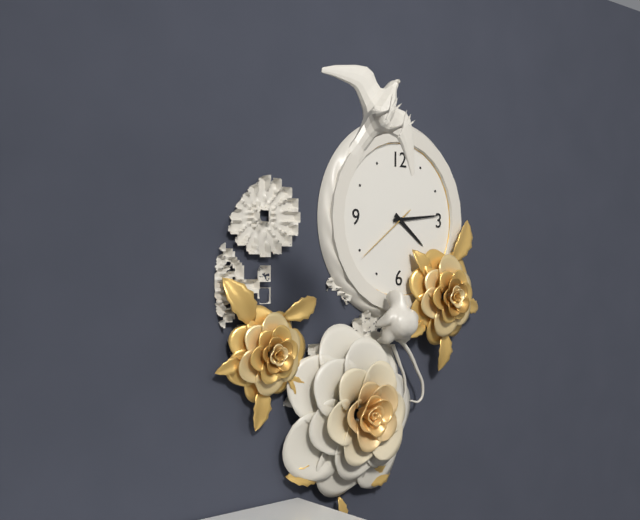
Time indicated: 4:14:39
